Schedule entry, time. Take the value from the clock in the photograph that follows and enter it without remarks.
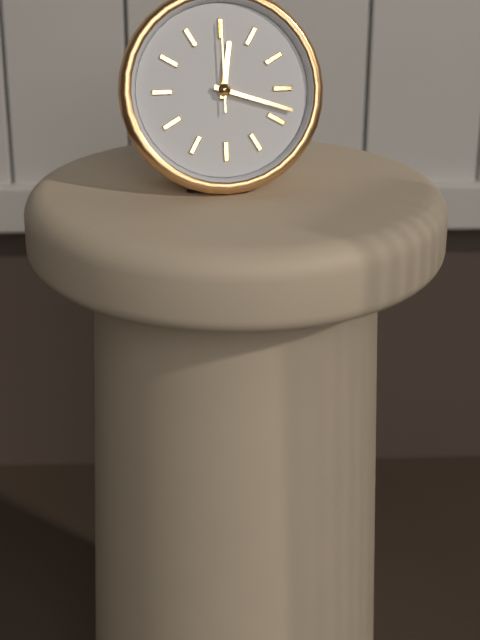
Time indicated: 12:18:00
